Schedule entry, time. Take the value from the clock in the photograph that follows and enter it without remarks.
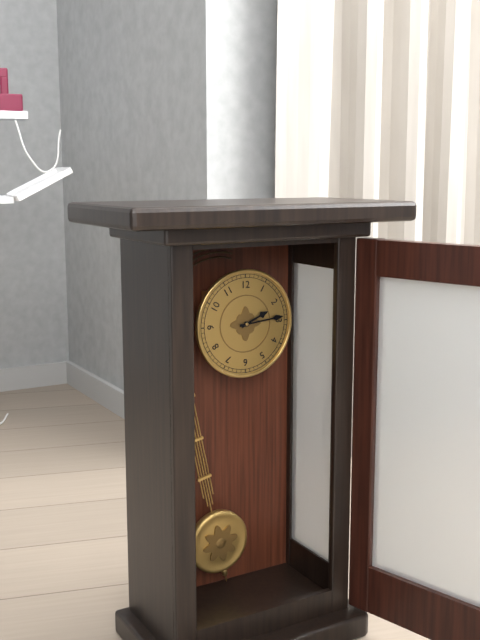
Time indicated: 2:14
